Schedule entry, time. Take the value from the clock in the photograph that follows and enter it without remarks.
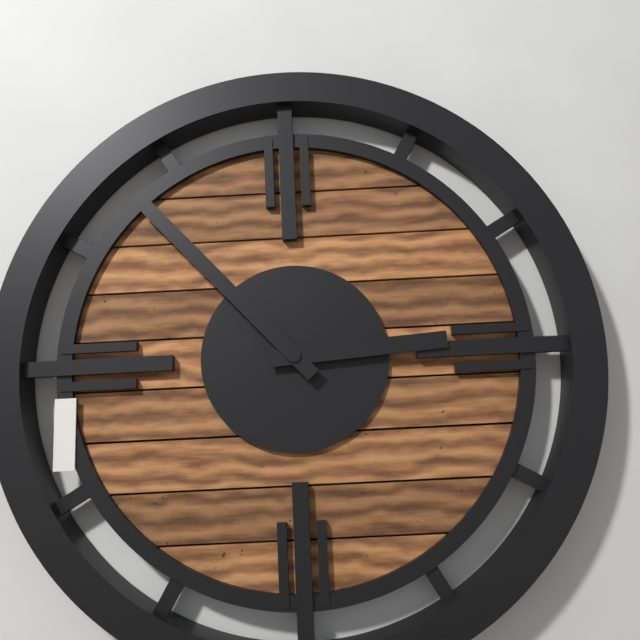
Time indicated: 2:53
